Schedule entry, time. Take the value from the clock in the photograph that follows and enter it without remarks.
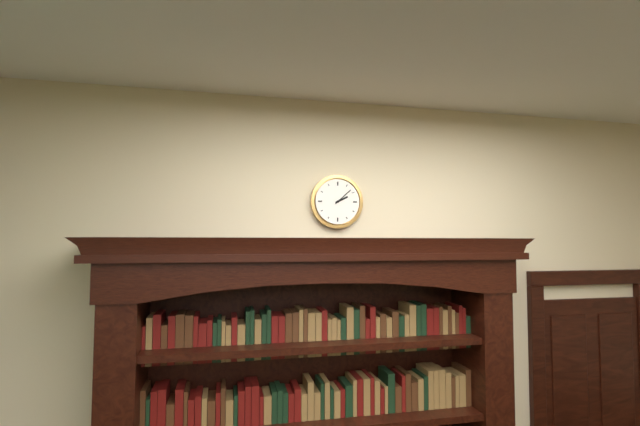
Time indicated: 2:08
